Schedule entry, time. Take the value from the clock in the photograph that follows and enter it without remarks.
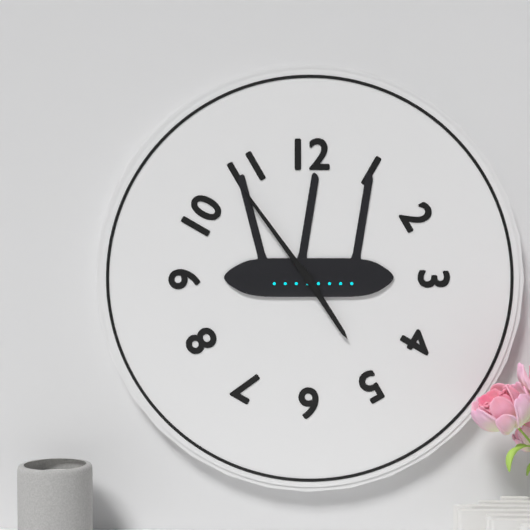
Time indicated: 4:54
